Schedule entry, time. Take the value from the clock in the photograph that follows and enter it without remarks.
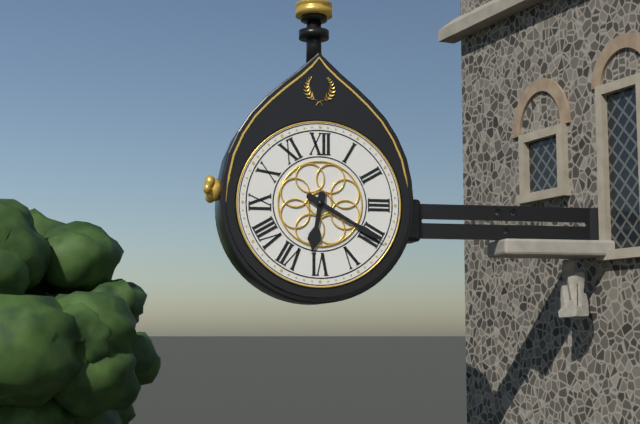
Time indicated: 6:20
